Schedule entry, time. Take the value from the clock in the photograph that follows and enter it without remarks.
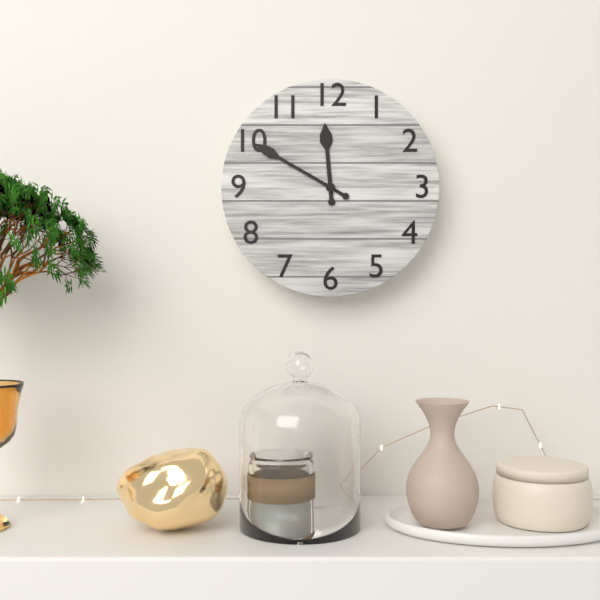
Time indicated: 11:50
